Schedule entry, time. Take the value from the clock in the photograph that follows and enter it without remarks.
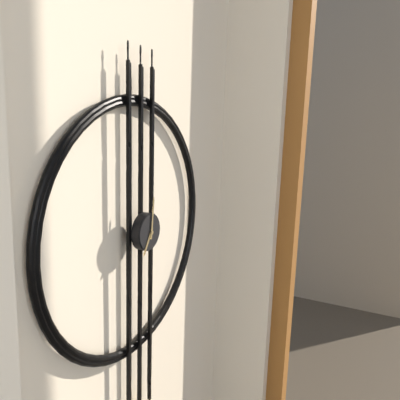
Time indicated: 7:01
